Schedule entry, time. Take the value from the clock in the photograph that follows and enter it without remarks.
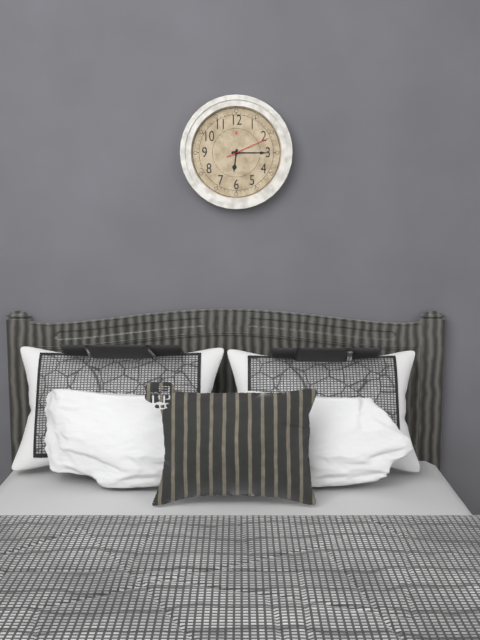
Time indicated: 6:15
